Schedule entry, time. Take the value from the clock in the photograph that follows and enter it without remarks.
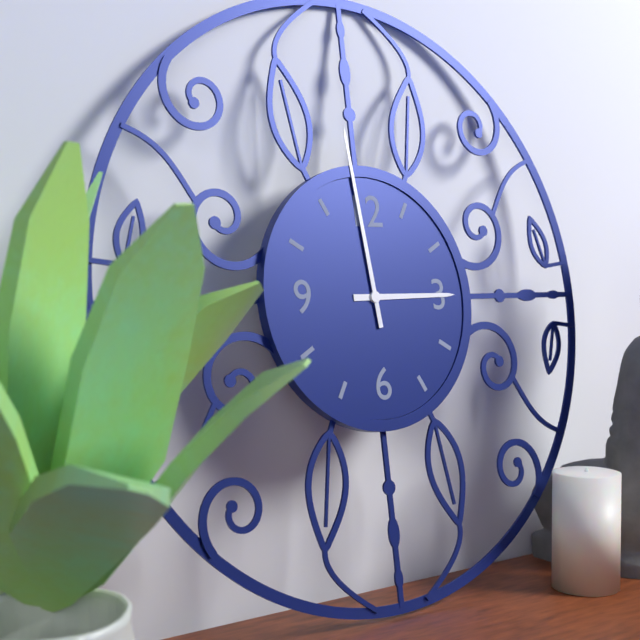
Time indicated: 2:59
